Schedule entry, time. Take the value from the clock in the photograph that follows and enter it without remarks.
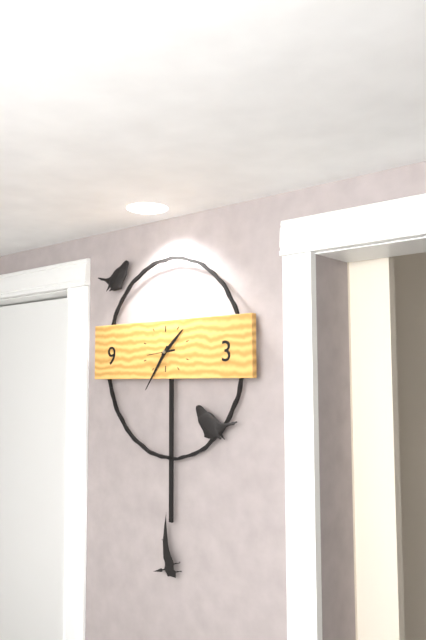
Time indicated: 1:36
